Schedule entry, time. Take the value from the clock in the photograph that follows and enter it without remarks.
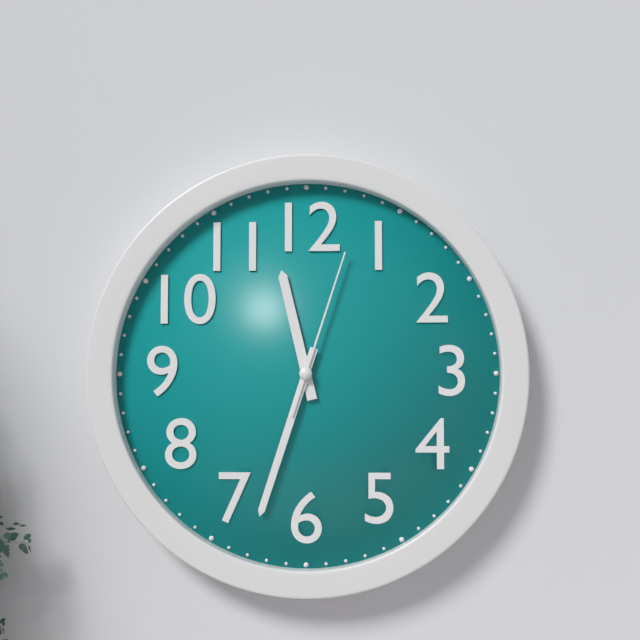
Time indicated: 11:33:03
